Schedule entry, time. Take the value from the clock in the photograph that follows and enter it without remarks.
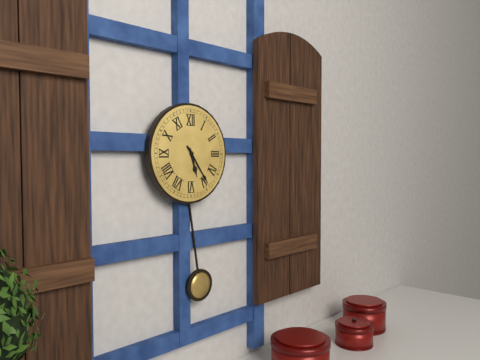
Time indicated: 5:24
